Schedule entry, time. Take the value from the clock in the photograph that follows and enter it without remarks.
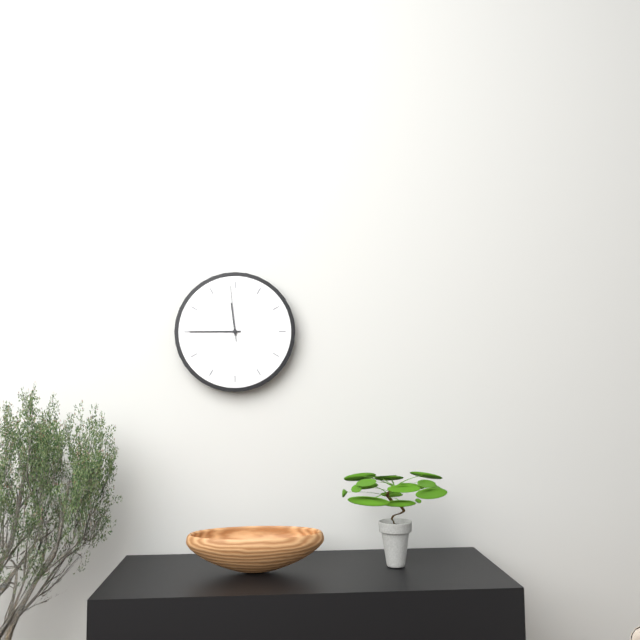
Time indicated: 11:45:59
